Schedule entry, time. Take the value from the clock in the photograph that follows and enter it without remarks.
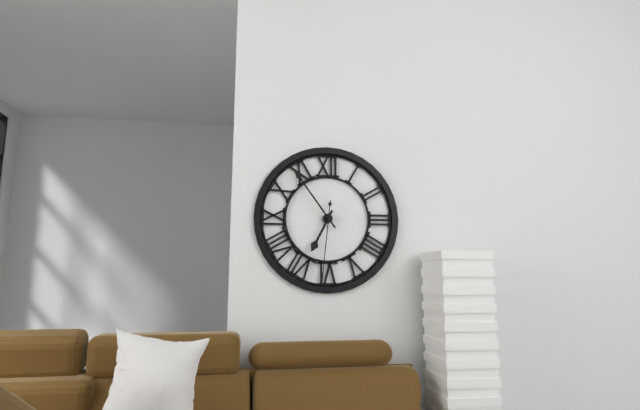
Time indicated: 6:54:31
